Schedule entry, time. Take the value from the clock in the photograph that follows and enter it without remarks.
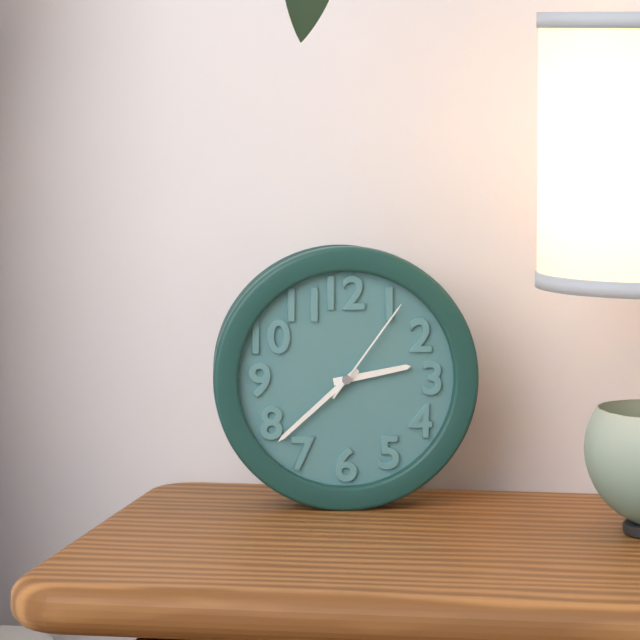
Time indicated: 2:38:06
